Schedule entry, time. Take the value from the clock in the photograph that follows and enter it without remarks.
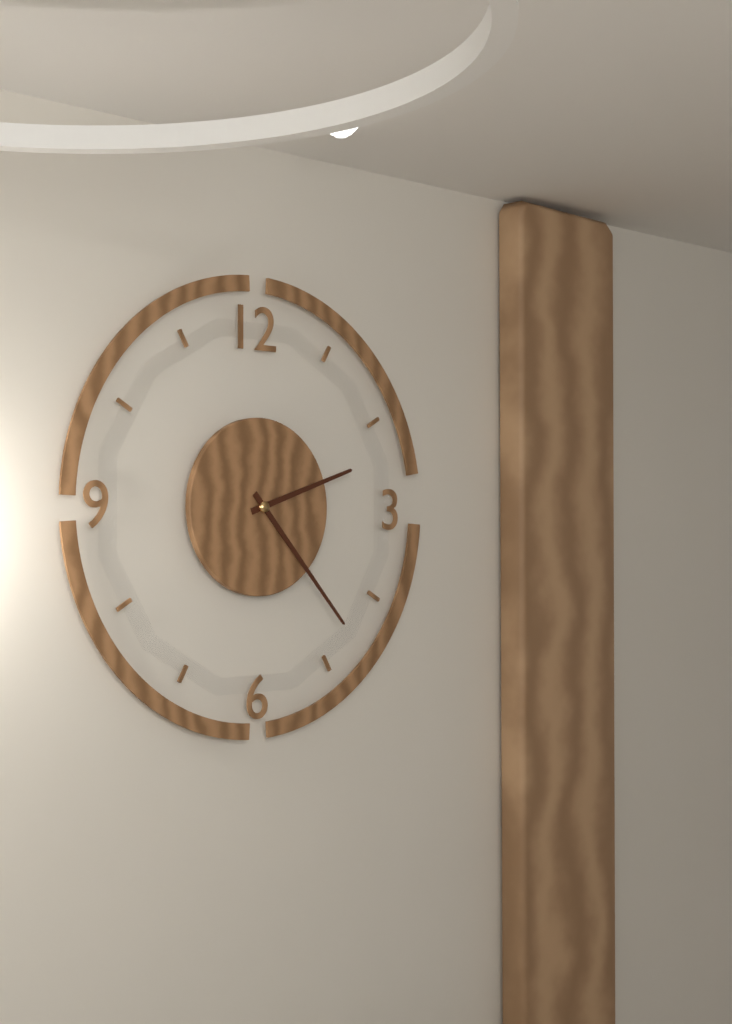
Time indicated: 2:23
